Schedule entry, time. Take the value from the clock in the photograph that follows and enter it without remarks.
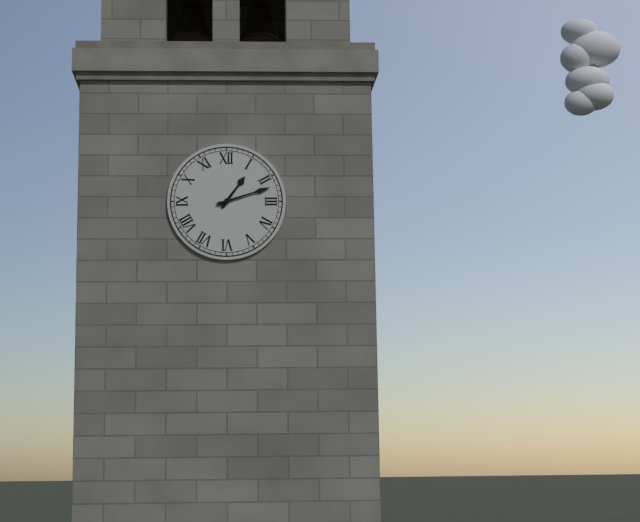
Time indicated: 1:12
